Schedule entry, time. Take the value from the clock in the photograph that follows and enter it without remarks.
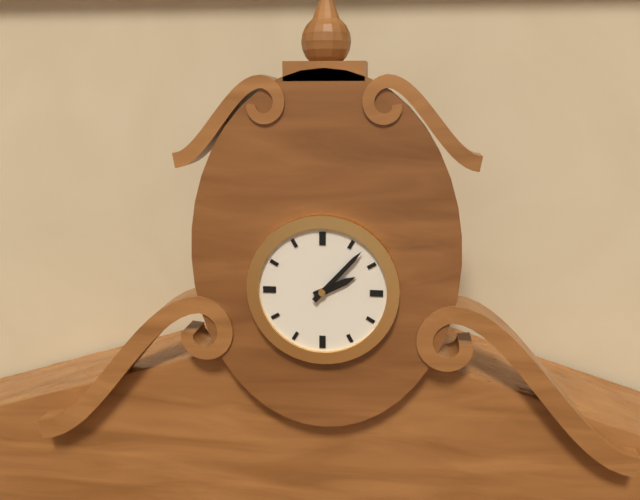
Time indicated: 2:07
